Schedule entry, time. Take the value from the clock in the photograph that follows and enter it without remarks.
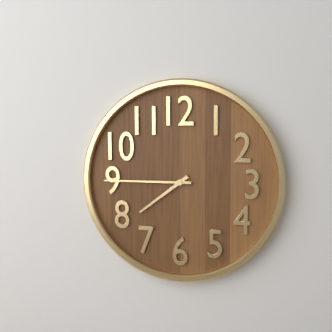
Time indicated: 7:45
